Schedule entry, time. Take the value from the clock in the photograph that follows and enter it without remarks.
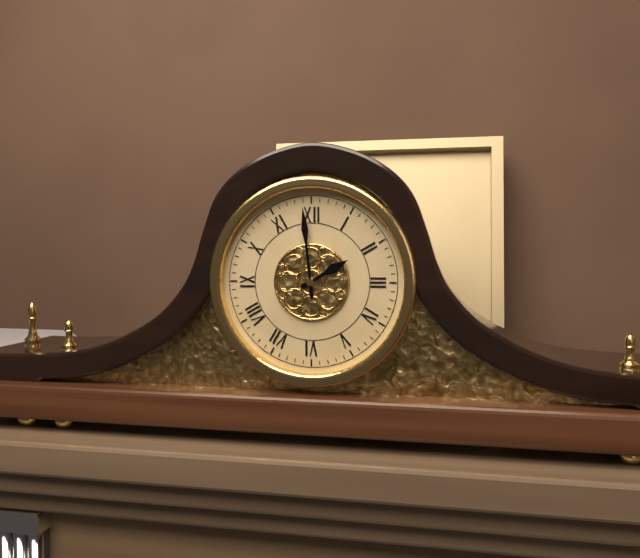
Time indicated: 1:59
